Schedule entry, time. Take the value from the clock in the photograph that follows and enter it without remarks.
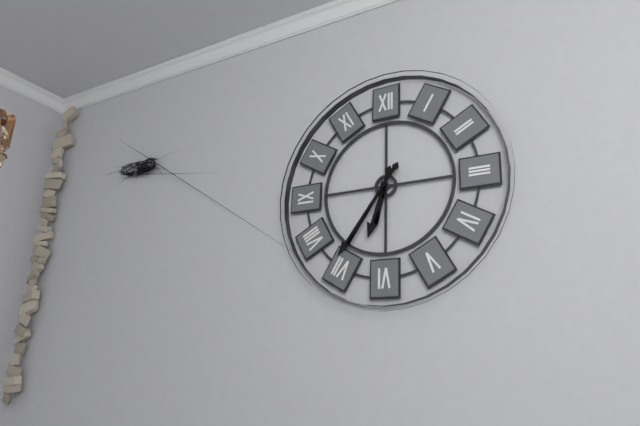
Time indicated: 6:36
